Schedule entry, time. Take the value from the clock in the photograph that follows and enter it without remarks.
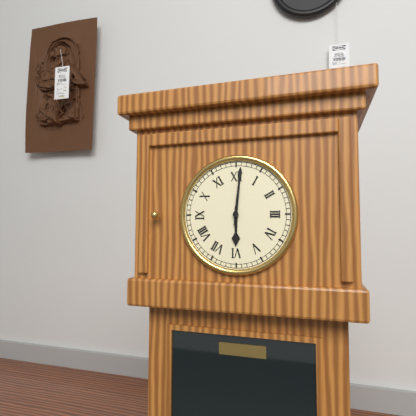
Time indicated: 6:01
